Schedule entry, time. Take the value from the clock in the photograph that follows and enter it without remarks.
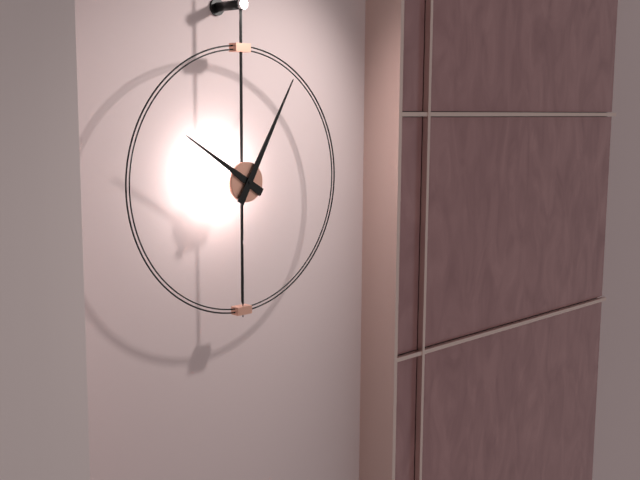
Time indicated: 10:05
